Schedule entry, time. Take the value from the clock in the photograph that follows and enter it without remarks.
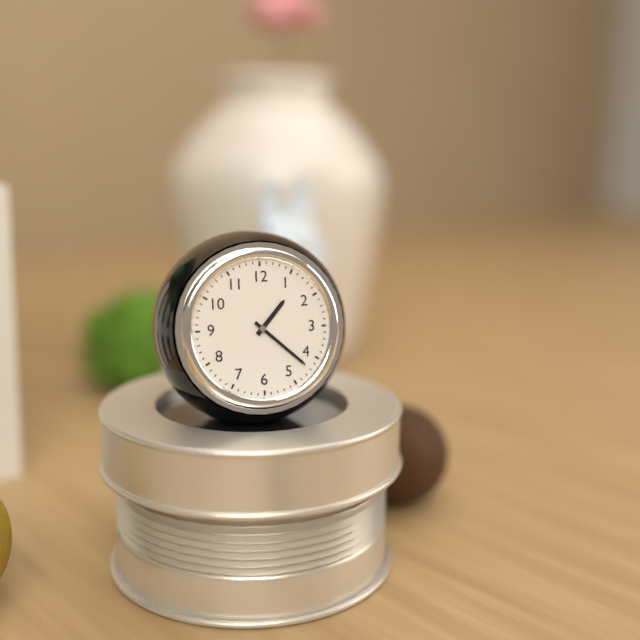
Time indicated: 1:22
